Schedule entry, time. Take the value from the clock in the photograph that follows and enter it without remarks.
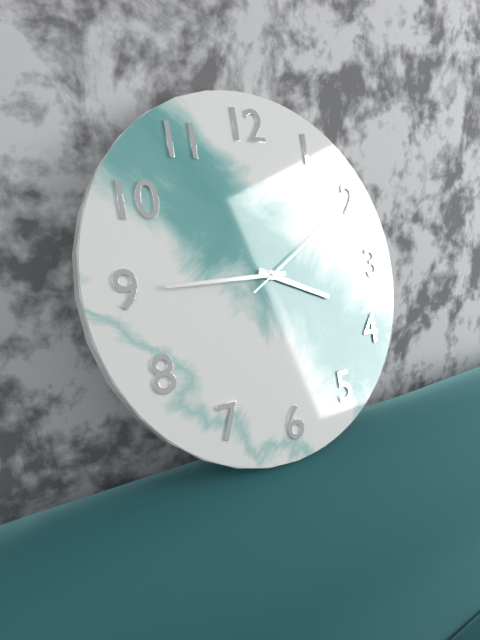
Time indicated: 3:45:10
